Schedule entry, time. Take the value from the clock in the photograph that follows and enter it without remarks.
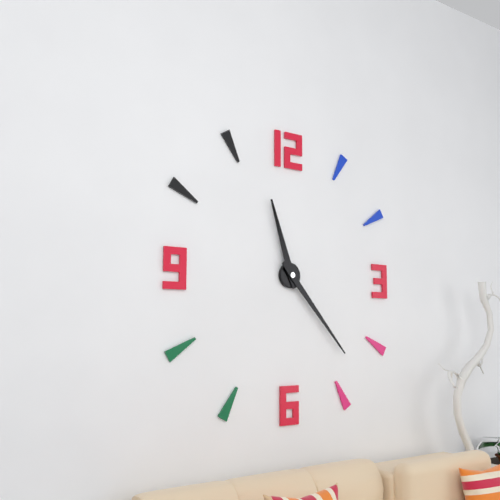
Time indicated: 11:23
